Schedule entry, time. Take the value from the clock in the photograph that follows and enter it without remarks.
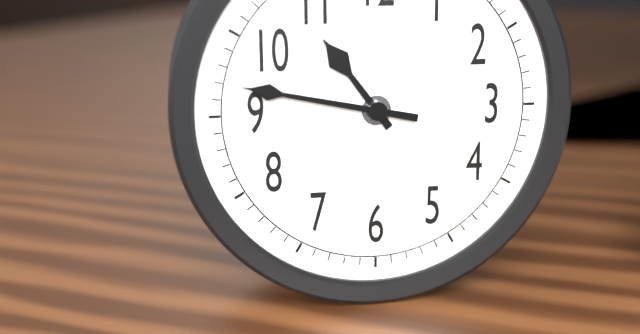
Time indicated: 10:47
